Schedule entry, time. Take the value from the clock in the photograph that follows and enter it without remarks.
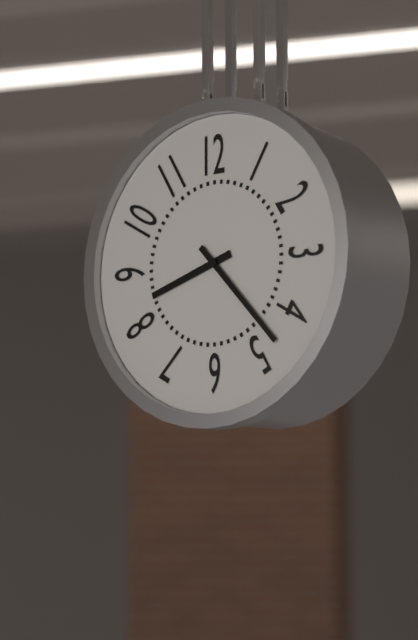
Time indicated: 8:23
